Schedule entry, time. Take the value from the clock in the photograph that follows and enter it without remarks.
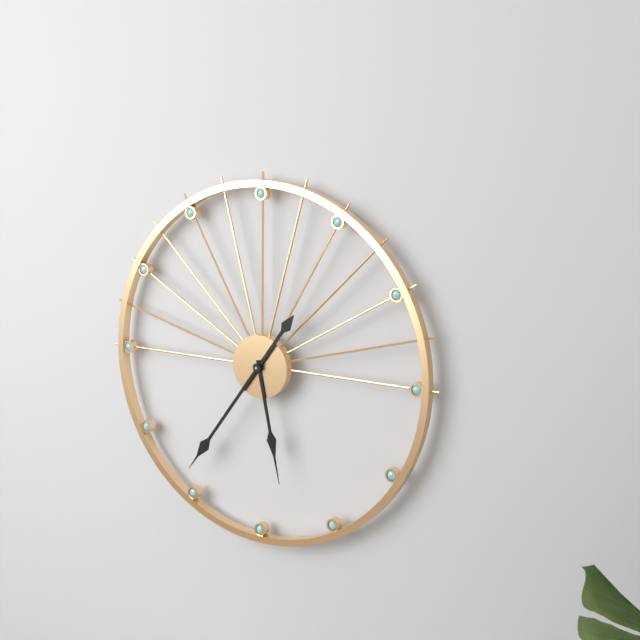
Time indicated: 5:36
